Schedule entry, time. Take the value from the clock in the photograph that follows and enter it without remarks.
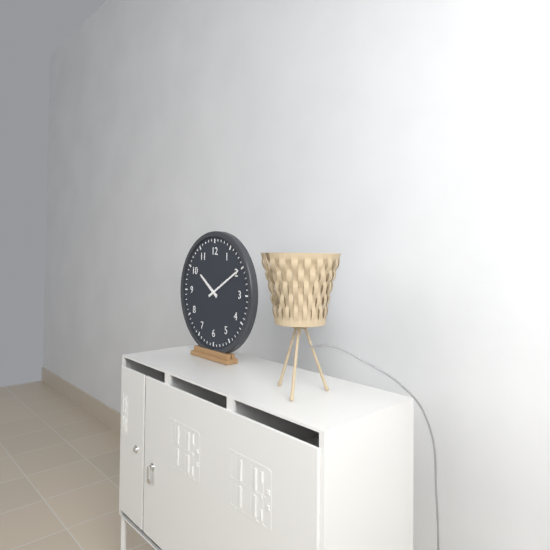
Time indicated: 10:10
